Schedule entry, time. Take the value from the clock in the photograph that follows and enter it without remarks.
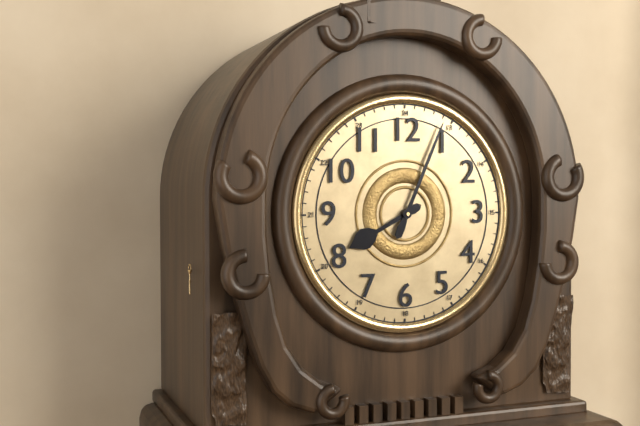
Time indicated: 8:04
